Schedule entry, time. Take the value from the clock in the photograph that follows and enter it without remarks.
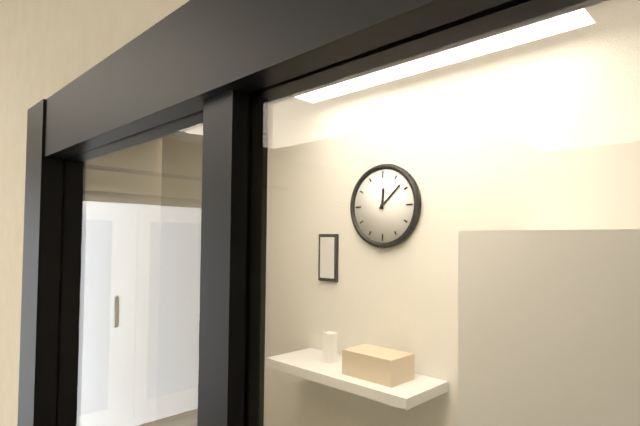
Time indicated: 12:08
